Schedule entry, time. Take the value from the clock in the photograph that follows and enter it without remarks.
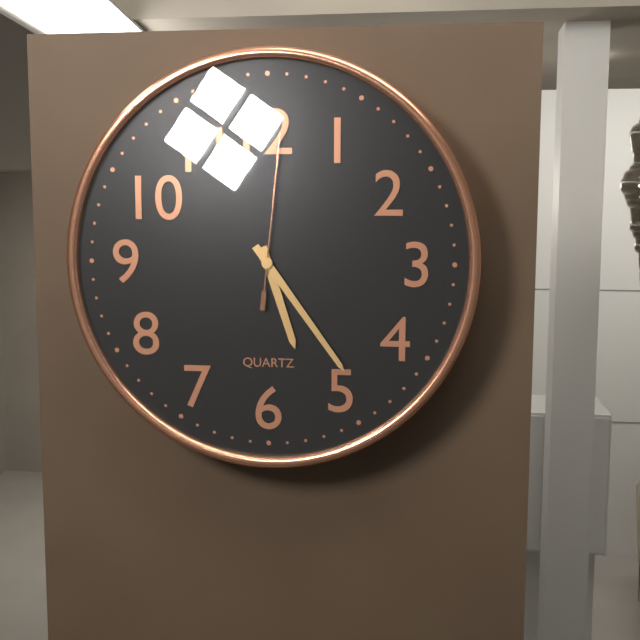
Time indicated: 5:24:01
